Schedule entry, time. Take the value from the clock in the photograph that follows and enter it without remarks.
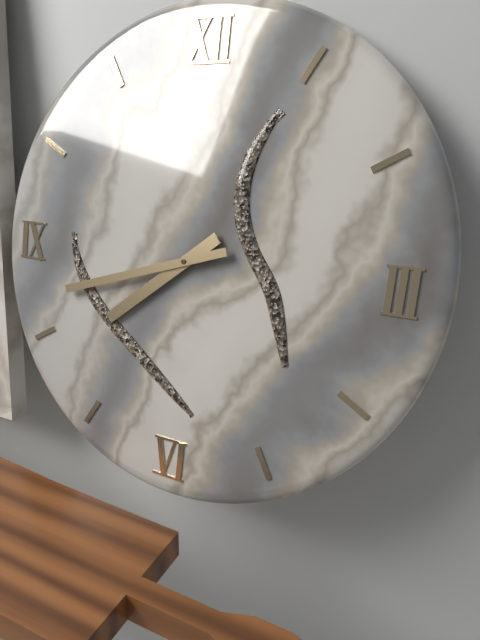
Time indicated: 7:42
